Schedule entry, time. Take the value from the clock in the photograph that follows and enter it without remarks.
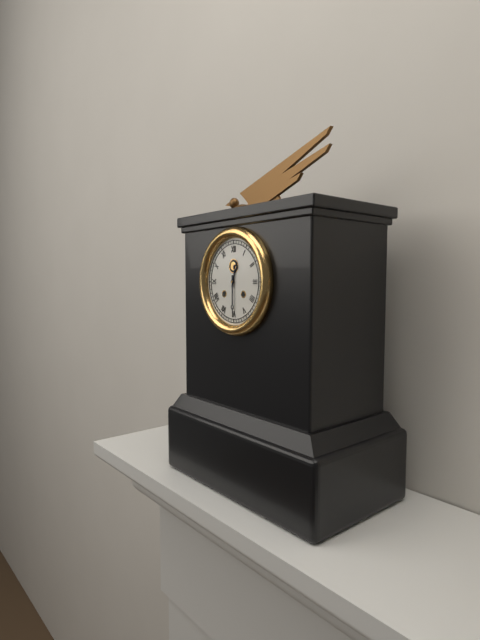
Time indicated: 12:30
